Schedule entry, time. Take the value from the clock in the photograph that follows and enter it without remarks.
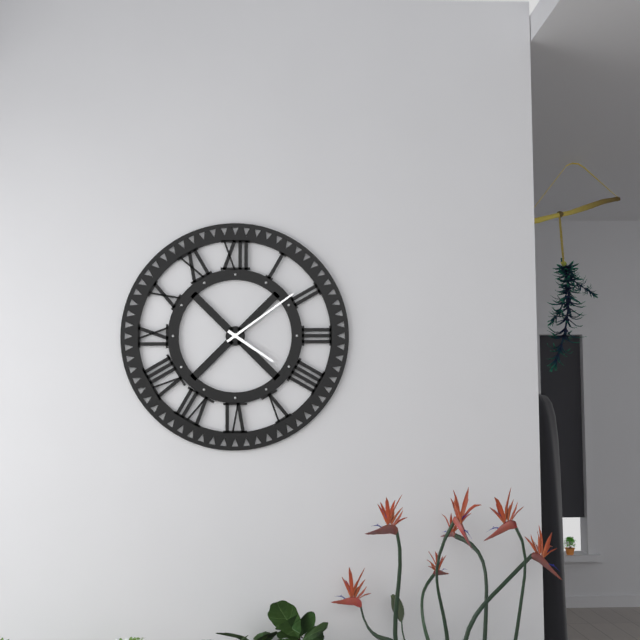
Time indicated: 4:09
